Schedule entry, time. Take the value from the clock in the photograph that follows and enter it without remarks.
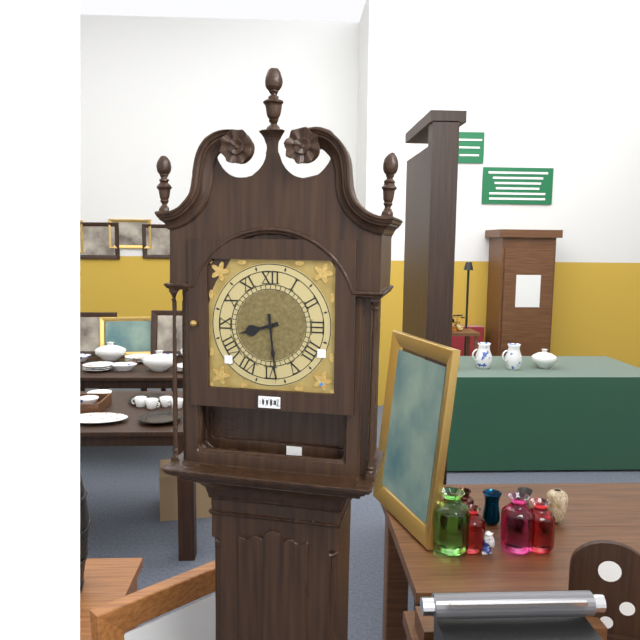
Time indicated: 8:29
